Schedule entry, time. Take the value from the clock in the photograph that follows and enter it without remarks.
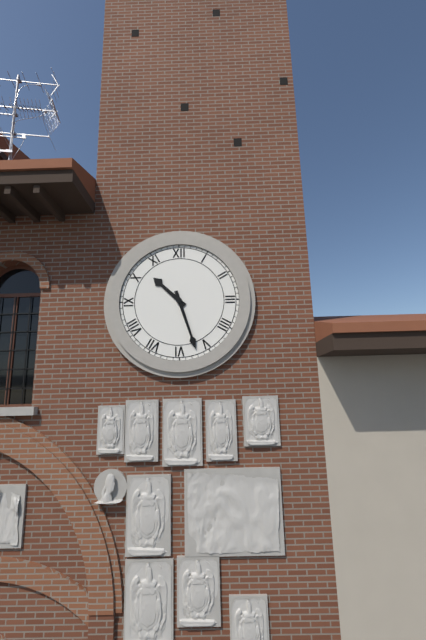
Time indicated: 10:27
